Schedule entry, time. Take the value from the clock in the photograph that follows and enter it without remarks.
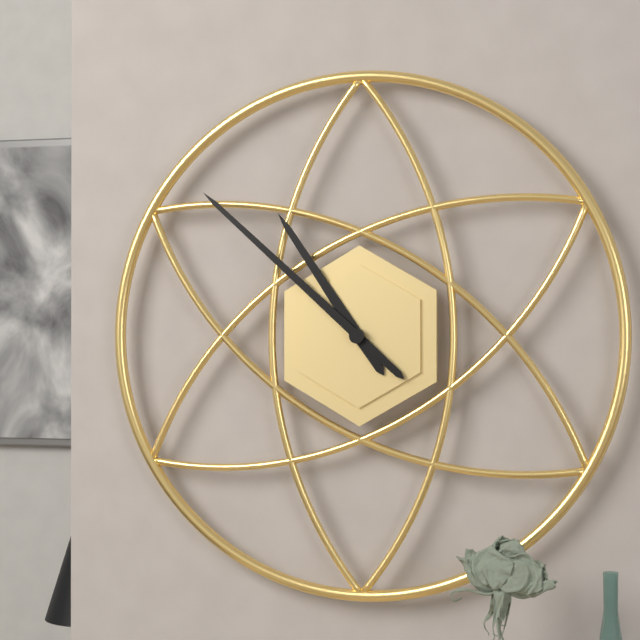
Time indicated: 10:52
